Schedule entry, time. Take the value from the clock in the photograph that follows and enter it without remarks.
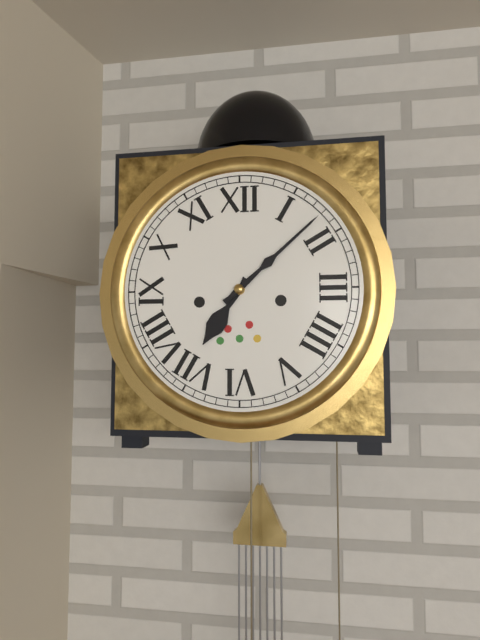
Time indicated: 7:08
